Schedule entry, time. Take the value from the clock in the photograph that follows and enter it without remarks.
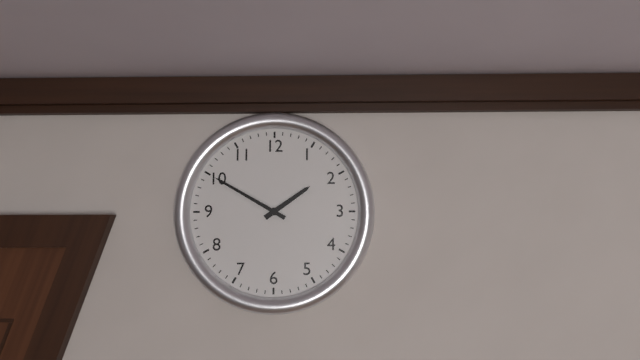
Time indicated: 1:50
